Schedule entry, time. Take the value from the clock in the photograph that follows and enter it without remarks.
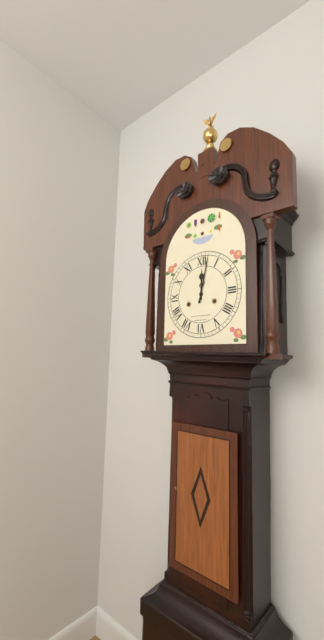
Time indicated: 12:02
